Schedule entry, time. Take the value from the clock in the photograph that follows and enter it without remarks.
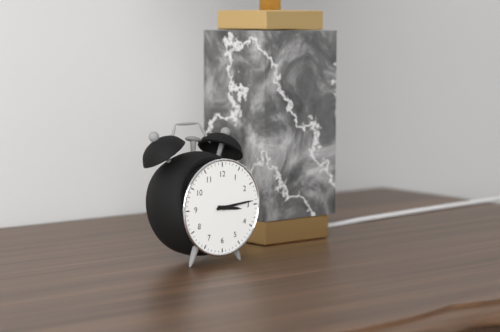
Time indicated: 3:14
